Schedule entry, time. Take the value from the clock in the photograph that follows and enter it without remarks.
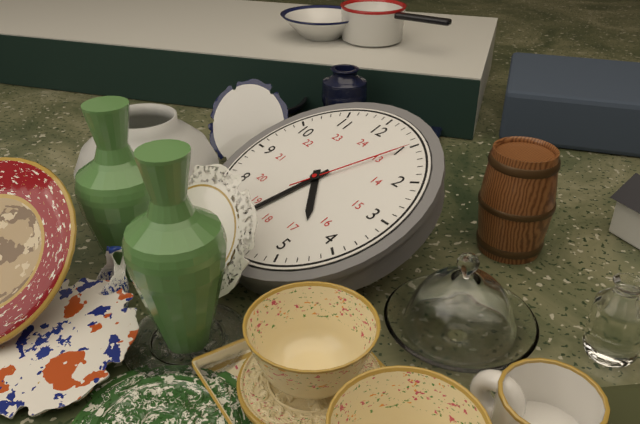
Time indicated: 4:33:05
